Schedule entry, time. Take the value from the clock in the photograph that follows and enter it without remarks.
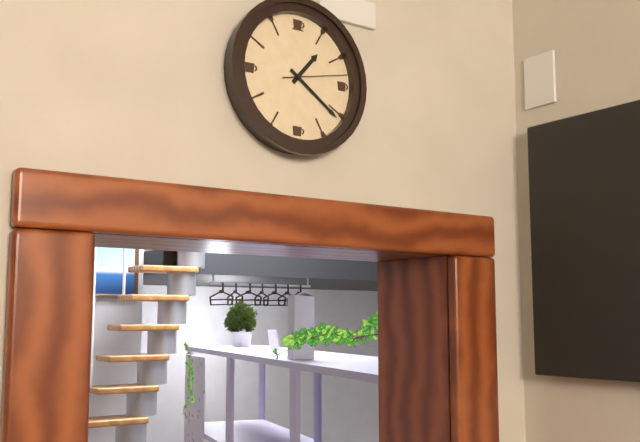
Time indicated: 1:21:13
